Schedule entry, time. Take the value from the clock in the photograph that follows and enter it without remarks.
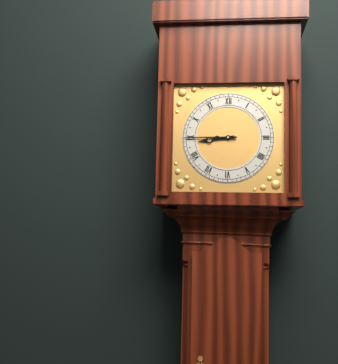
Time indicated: 8:45
